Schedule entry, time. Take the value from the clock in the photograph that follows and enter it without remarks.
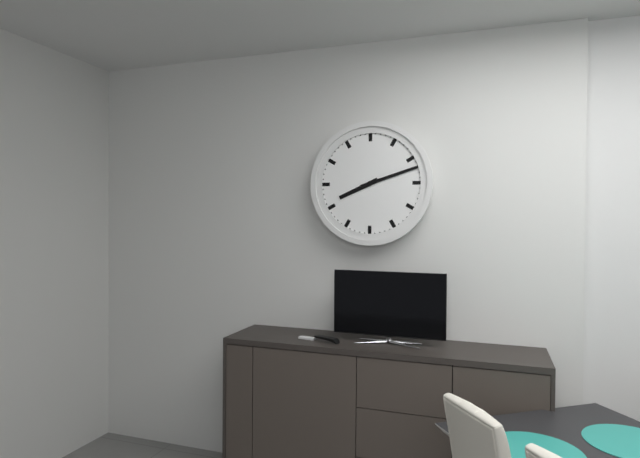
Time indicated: 8:12
